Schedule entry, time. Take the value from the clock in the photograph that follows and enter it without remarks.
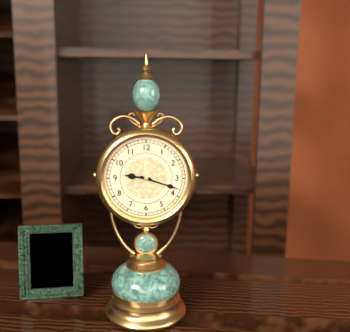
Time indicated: 9:18
